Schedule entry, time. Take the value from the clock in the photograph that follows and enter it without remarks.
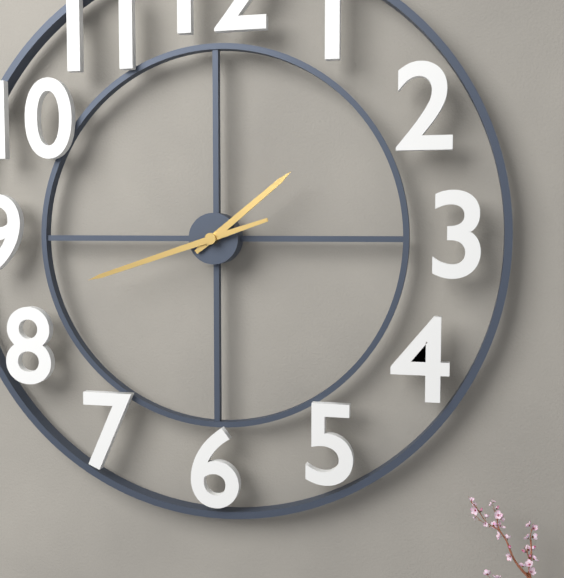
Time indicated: 1:42
